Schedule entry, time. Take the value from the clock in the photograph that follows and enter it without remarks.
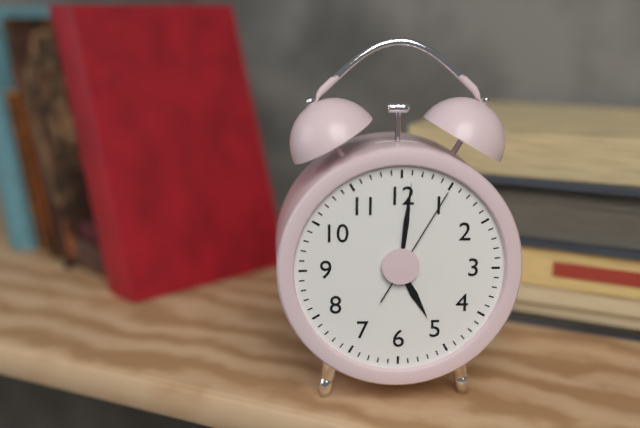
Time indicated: 5:01:05
